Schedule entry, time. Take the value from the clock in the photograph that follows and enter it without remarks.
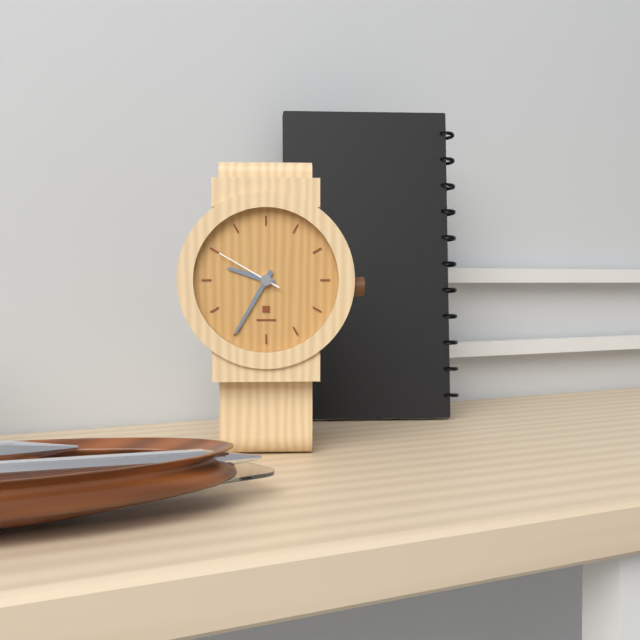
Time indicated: 9:35:50
